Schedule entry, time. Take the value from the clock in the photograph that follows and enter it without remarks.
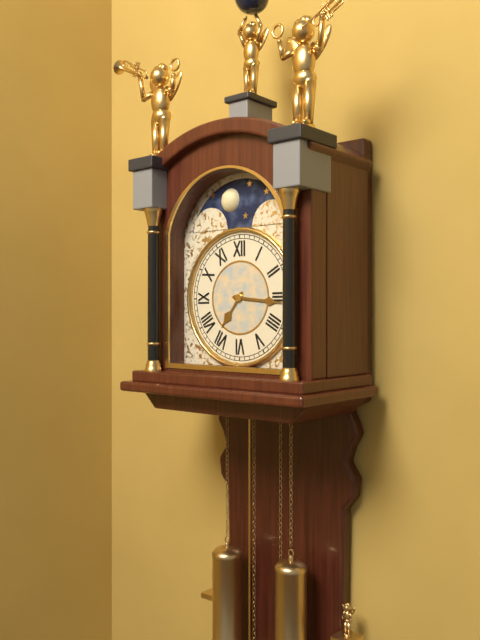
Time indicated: 7:16
